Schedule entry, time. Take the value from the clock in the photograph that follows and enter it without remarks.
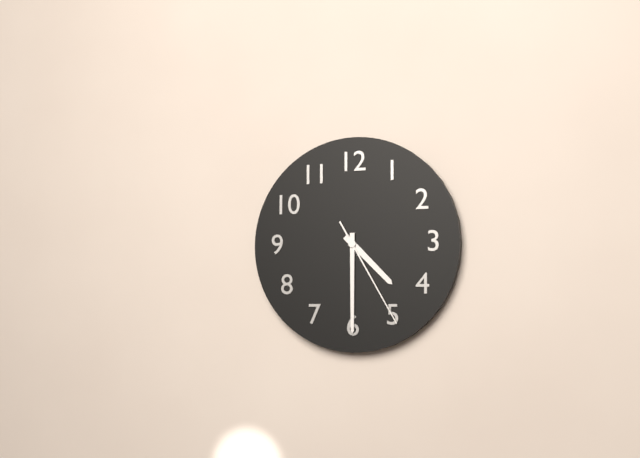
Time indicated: 4:30:25
